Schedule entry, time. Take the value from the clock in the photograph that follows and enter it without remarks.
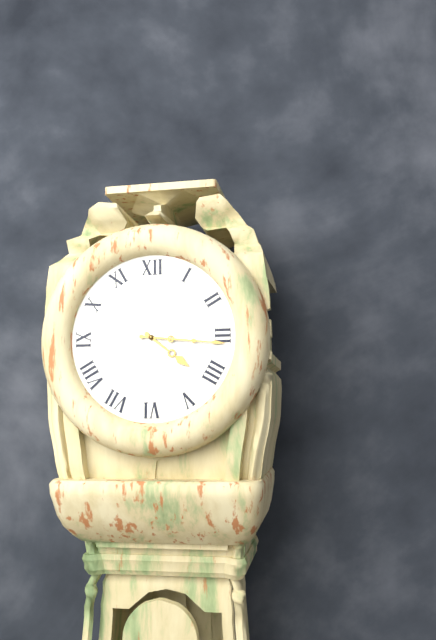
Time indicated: 4:16
